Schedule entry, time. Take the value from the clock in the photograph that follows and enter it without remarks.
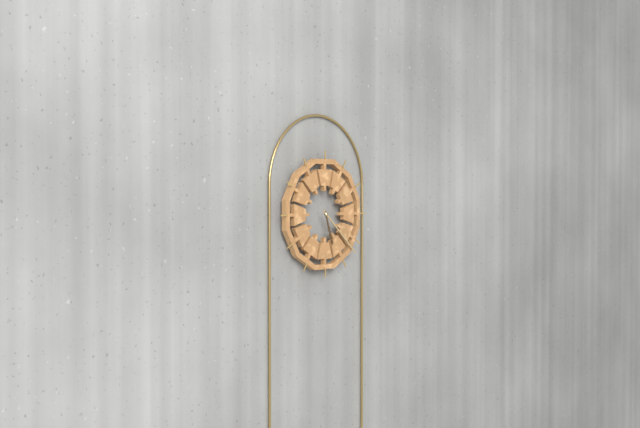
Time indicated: 5:22
